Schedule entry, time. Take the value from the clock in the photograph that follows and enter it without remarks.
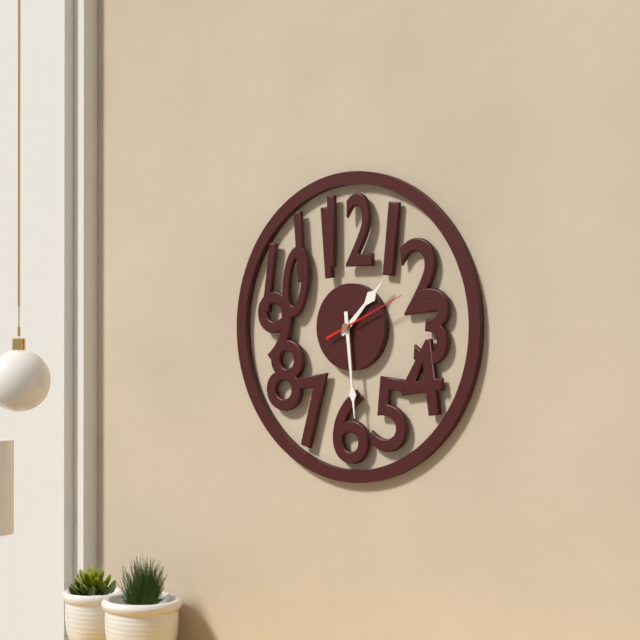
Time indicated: 1:29:11
